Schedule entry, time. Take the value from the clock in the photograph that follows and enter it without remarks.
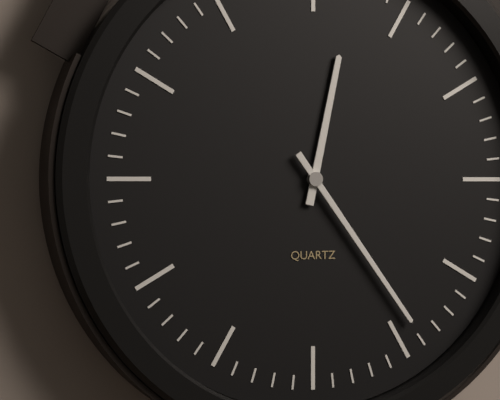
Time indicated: 12:24
